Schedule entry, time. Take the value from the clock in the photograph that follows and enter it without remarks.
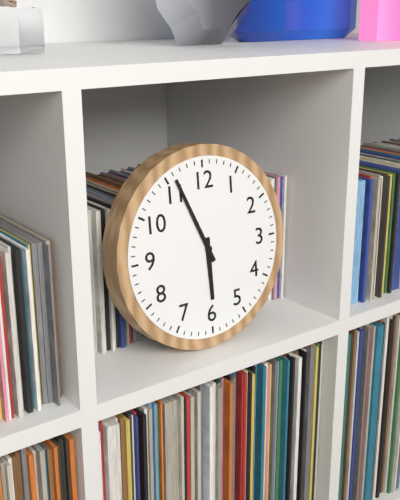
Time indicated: 5:56
